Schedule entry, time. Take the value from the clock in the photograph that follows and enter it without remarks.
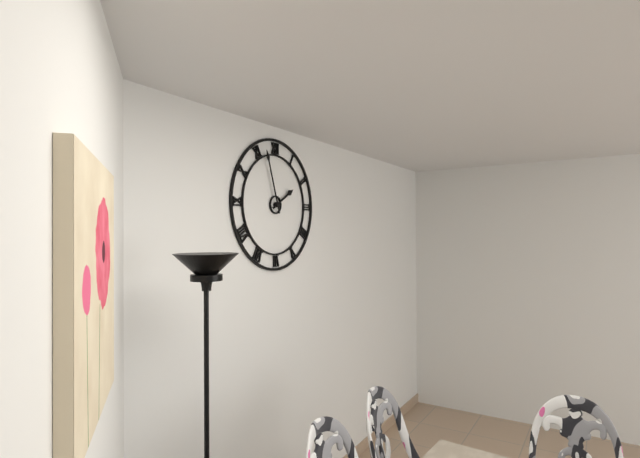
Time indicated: 1:57
